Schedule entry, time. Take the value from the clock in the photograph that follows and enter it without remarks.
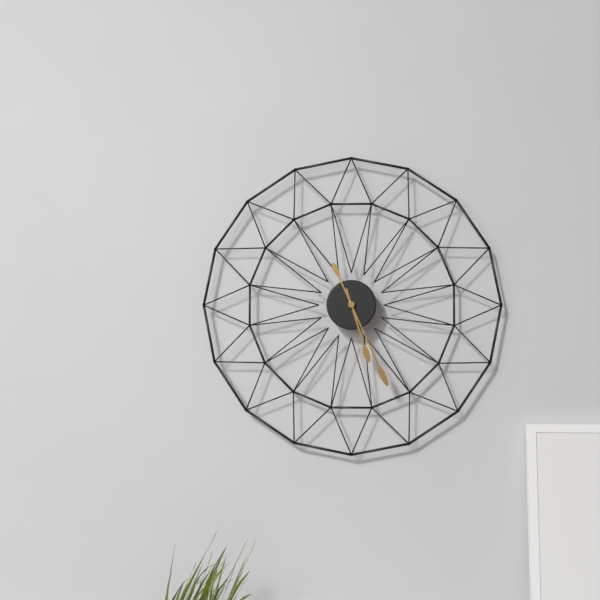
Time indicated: 5:26
